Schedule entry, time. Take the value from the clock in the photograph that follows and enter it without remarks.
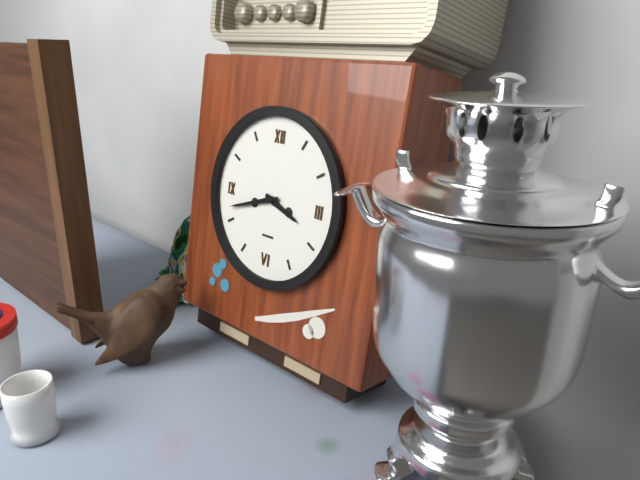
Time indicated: 3:42
